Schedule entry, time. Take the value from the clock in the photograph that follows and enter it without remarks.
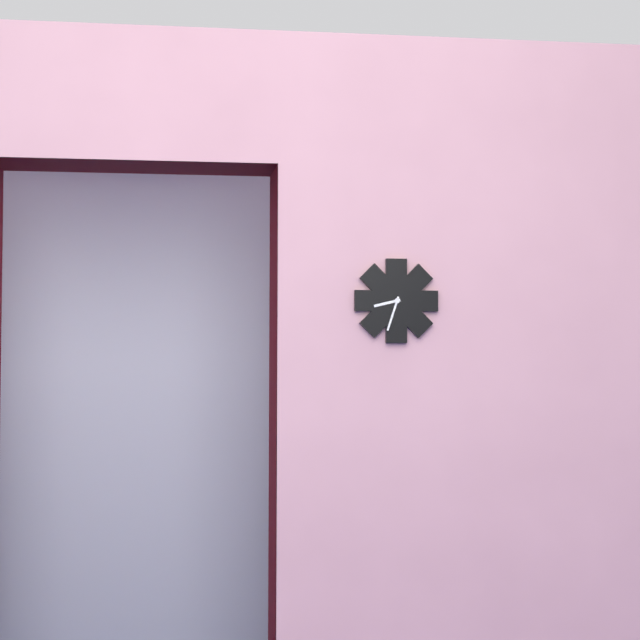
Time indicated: 8:33
